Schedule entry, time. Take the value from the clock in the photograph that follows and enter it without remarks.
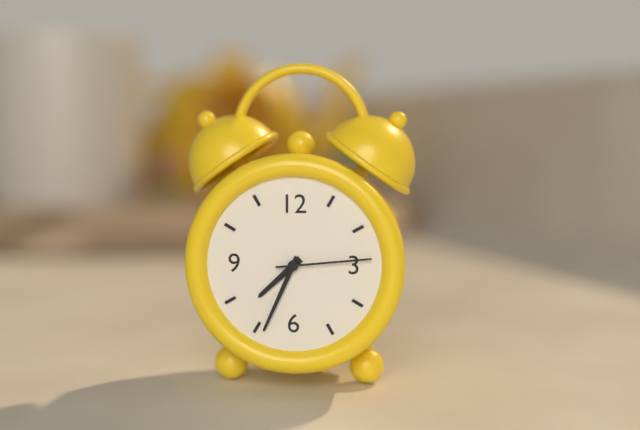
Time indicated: 7:34:14
